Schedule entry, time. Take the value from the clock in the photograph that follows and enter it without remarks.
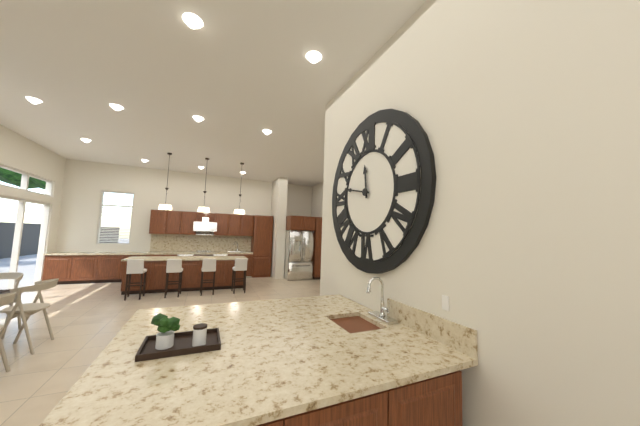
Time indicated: 11:47
